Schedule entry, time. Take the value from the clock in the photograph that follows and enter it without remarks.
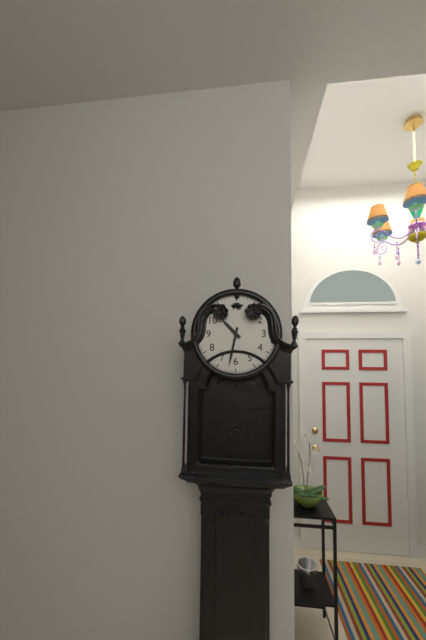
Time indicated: 10:32
